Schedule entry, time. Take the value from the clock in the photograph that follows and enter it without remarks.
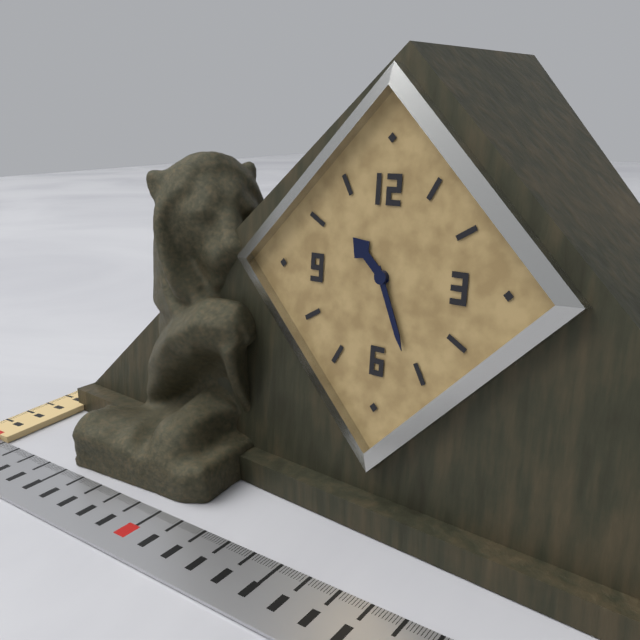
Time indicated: 10:26
